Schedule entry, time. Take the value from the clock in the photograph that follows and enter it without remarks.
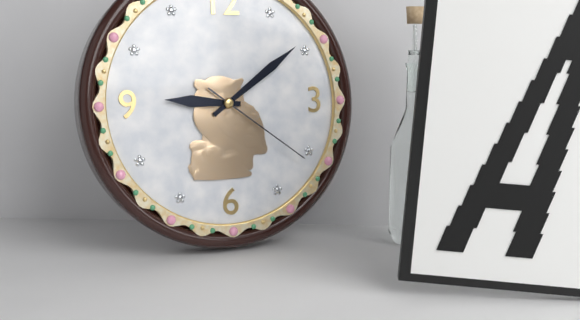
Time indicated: 9:09:21
